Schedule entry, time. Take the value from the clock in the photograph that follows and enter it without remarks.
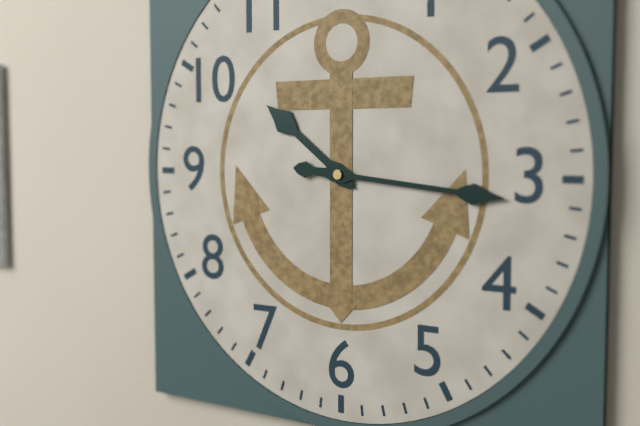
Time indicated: 10:16
